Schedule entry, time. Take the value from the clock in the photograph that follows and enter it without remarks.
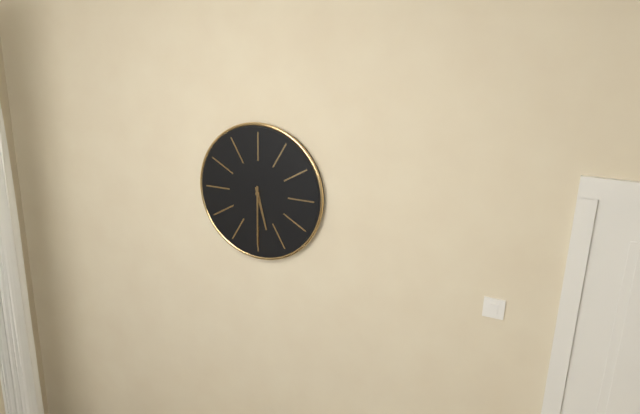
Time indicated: 5:30
